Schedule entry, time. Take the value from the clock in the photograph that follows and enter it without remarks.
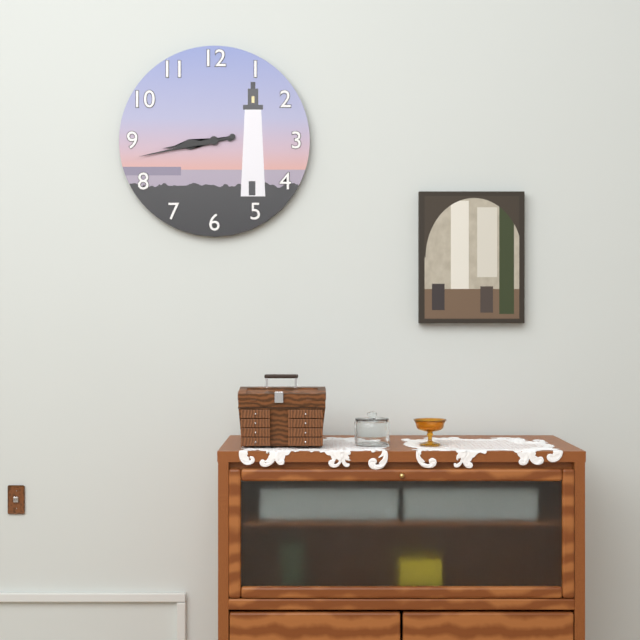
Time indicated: 8:43
